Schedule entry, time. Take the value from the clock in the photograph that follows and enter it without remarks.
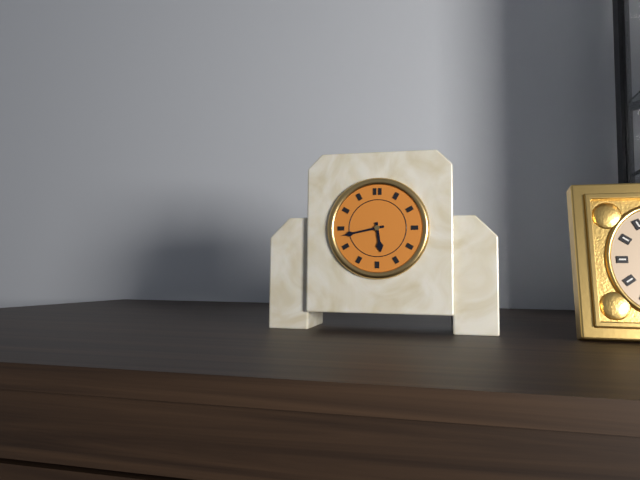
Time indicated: 5:43
